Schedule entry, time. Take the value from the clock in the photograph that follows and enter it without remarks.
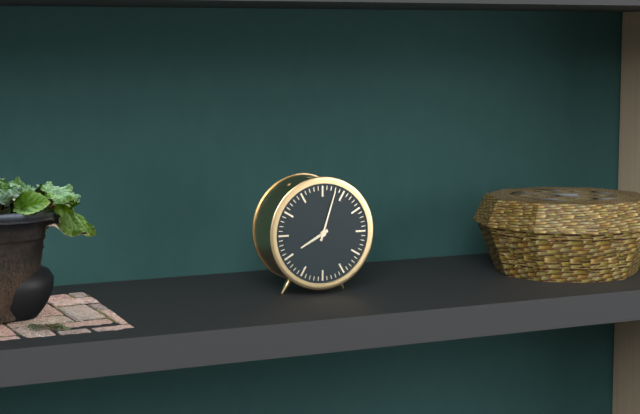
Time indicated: 8:03
